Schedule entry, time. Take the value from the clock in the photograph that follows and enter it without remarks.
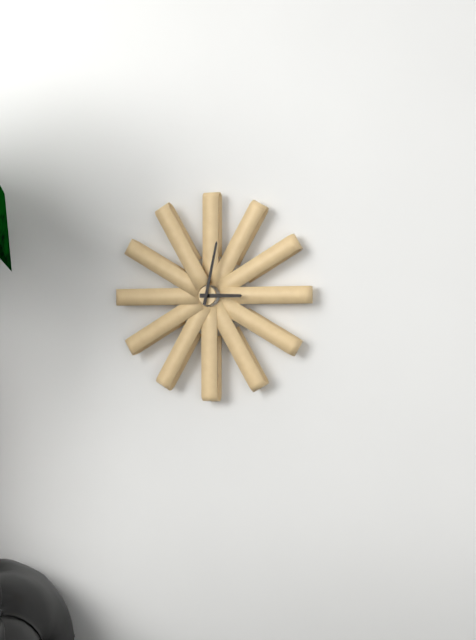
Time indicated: 3:02
